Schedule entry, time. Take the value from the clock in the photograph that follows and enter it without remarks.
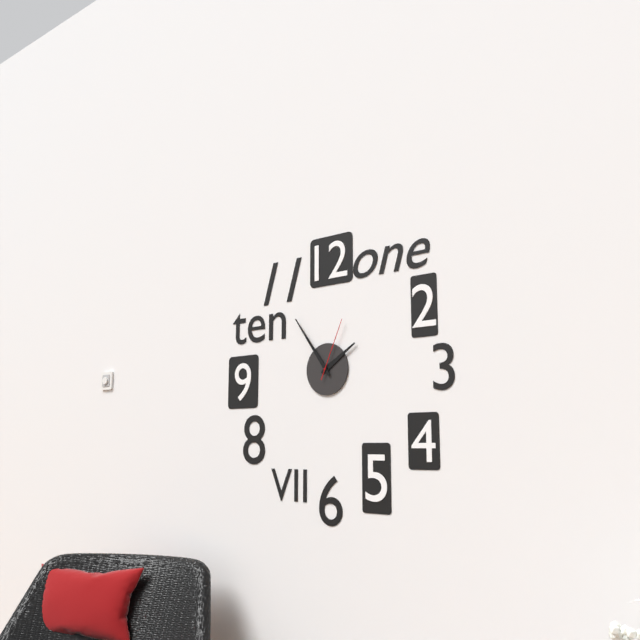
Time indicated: 1:54:04
